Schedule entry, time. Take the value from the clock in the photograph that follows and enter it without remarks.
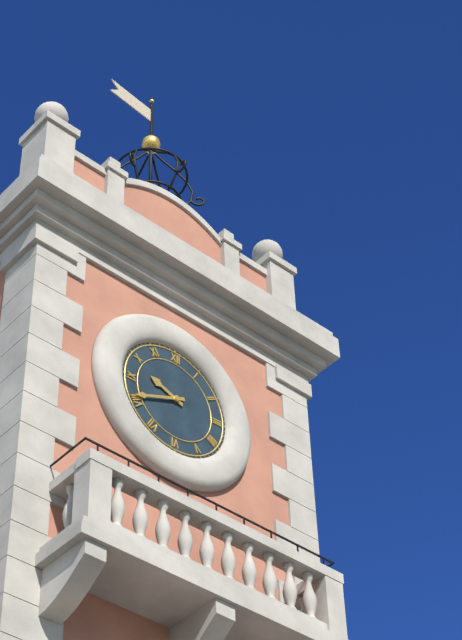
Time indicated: 9:41
